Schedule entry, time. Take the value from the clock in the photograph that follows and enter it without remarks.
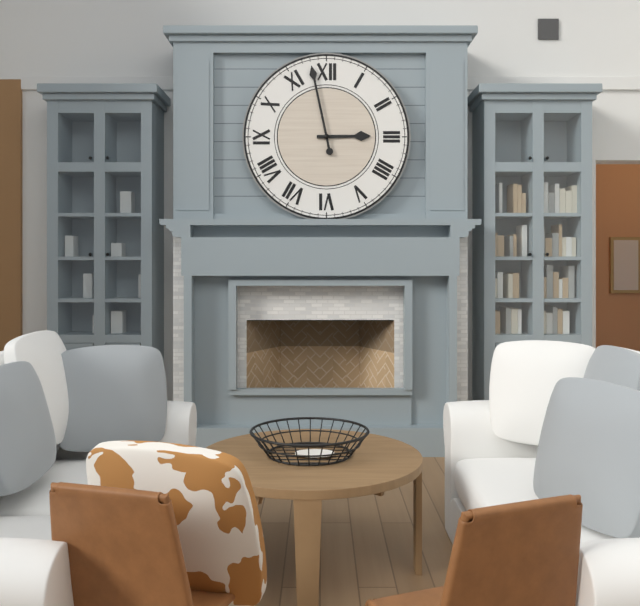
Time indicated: 2:58
